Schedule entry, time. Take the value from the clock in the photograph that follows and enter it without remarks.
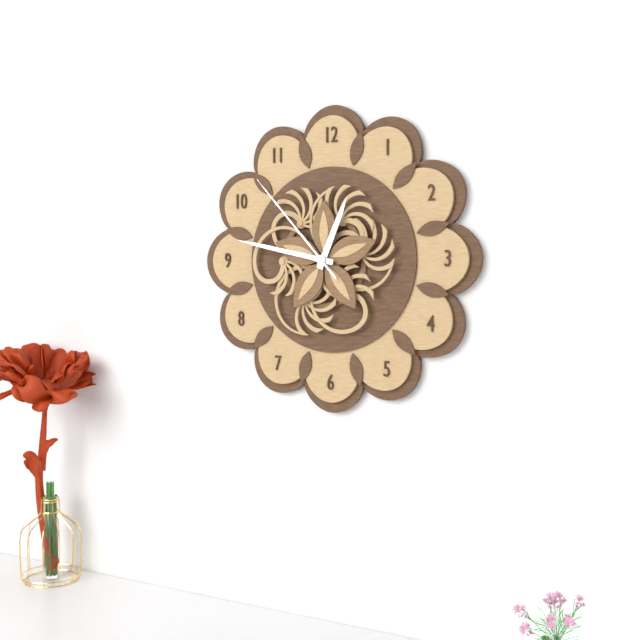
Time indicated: 12:47:53
